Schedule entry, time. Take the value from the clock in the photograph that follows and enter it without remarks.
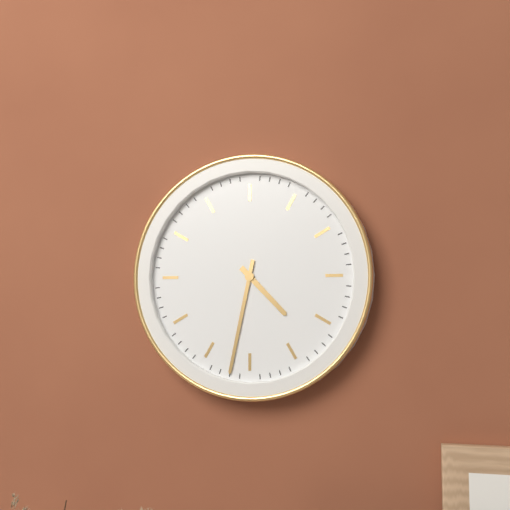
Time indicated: 4:32
